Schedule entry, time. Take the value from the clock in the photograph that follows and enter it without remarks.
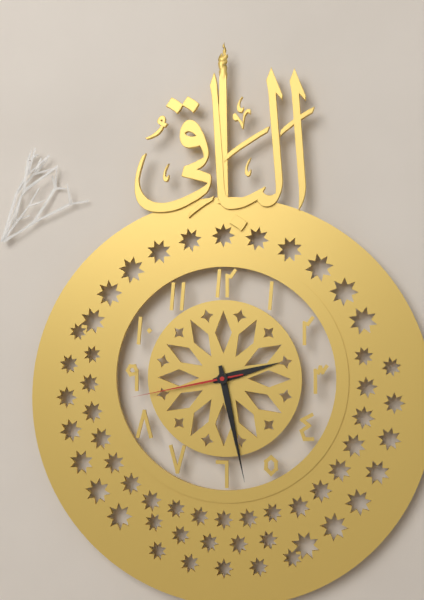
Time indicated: 2:28:43
